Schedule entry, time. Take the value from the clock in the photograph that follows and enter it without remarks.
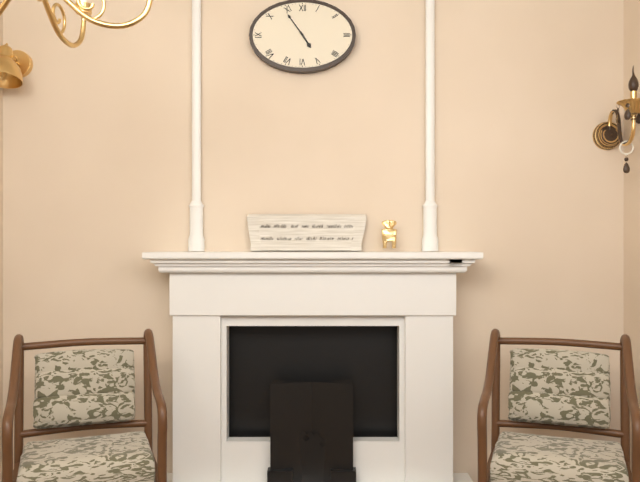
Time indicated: 4:54
